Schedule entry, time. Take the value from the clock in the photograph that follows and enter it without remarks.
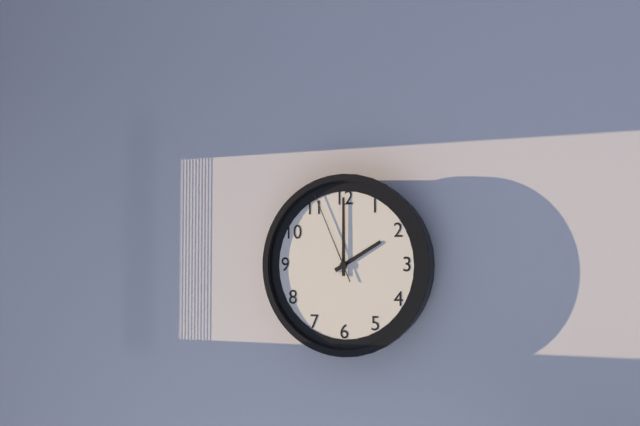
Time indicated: 2:00:56
